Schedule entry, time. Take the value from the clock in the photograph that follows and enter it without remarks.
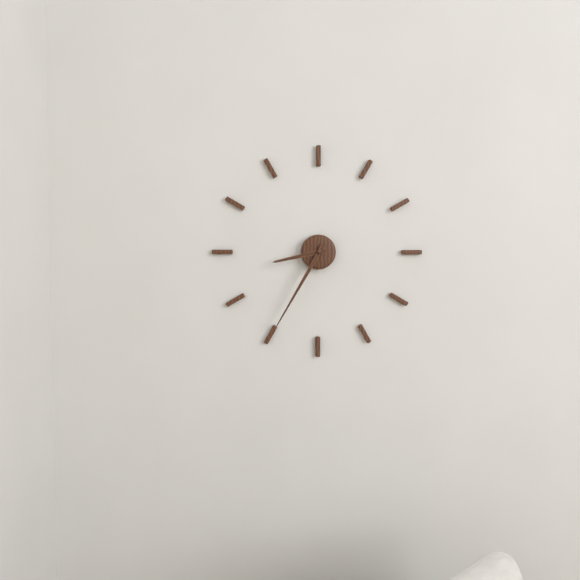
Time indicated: 8:35
